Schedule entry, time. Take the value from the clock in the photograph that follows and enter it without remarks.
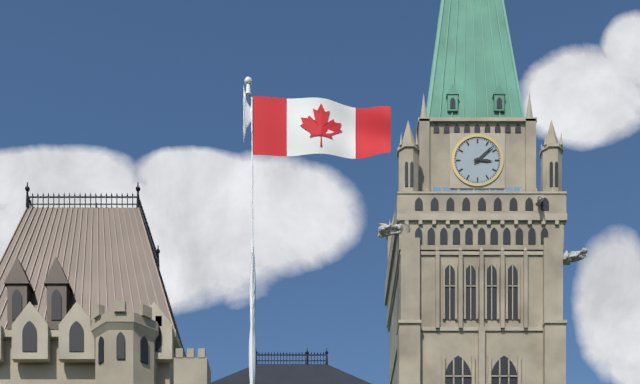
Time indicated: 3:08
